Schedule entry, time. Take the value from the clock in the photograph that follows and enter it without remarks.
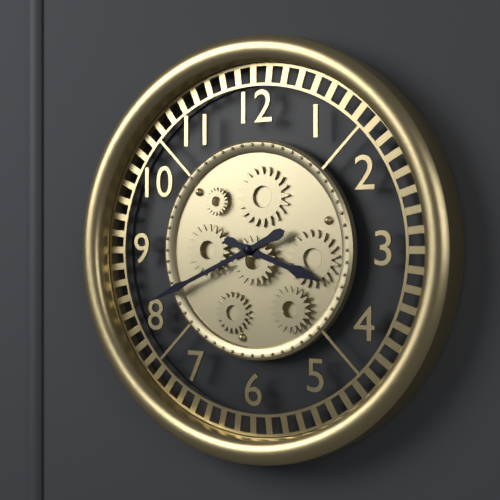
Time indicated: 3:41
